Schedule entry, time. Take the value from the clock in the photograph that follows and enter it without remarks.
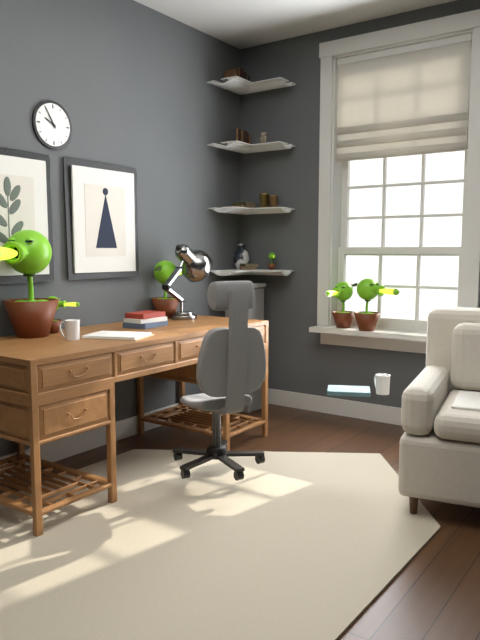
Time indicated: 9:55
